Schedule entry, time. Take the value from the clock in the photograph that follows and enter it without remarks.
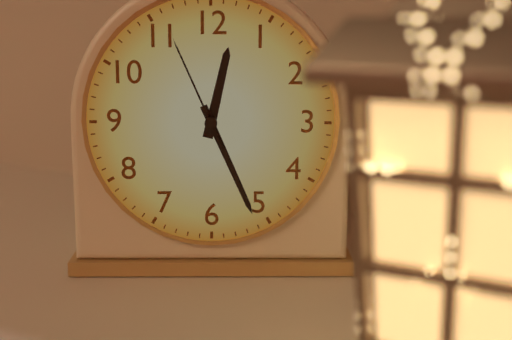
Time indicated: 12:26:56
